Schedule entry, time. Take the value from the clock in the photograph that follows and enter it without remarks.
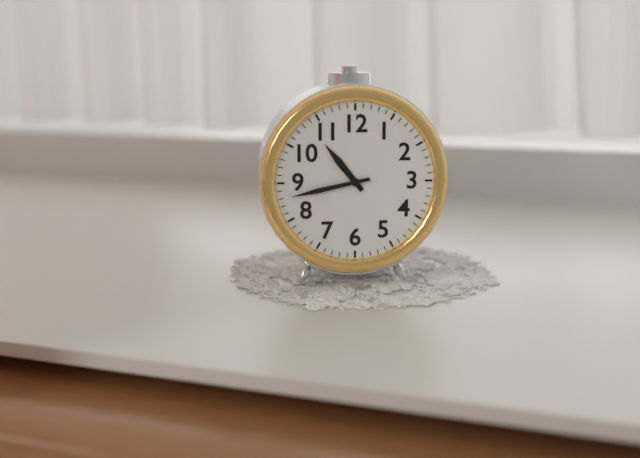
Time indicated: 10:43
